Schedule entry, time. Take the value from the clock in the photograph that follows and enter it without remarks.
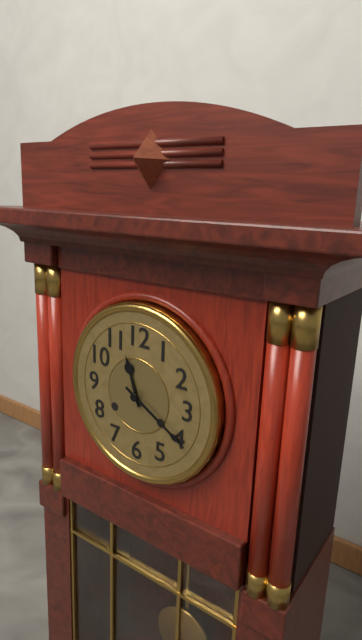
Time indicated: 11:20
